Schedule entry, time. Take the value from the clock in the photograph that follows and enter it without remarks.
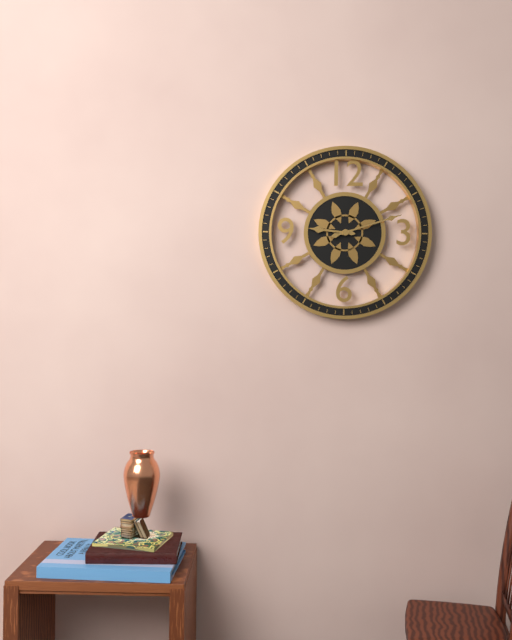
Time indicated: 9:12
